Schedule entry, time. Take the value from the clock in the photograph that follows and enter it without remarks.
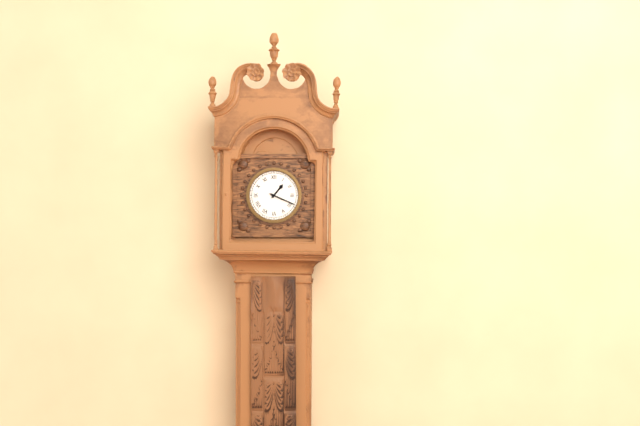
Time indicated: 1:19
